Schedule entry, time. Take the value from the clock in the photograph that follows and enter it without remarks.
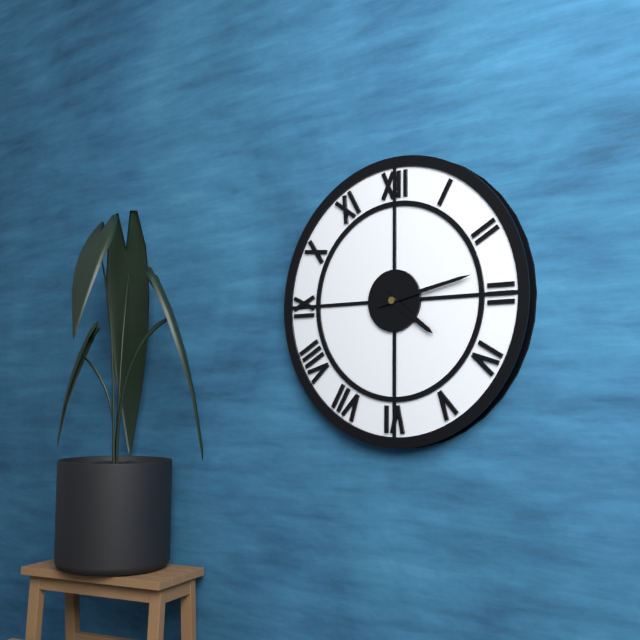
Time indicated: 4:13
